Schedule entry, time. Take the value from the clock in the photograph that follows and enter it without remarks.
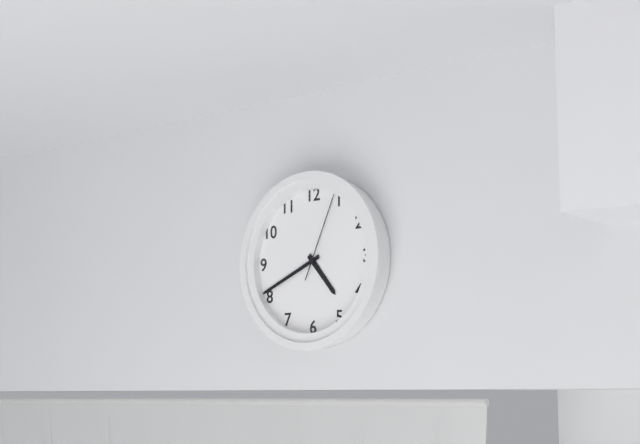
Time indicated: 4:41:04
